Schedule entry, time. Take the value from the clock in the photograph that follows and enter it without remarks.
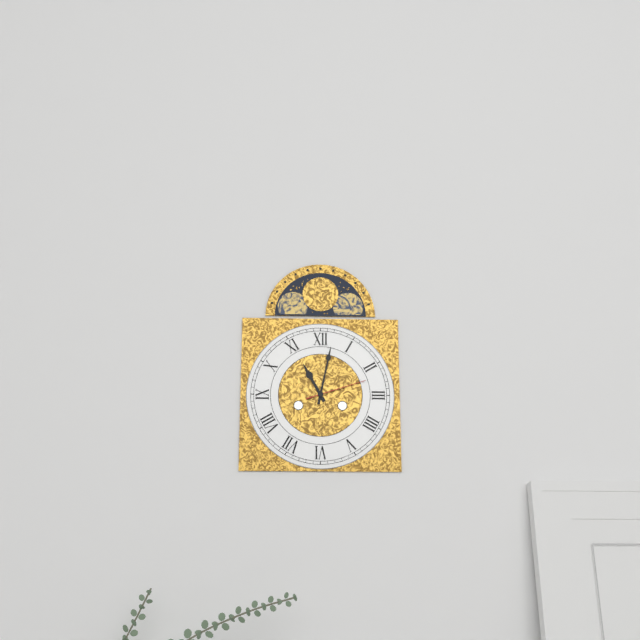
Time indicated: 11:02:12
